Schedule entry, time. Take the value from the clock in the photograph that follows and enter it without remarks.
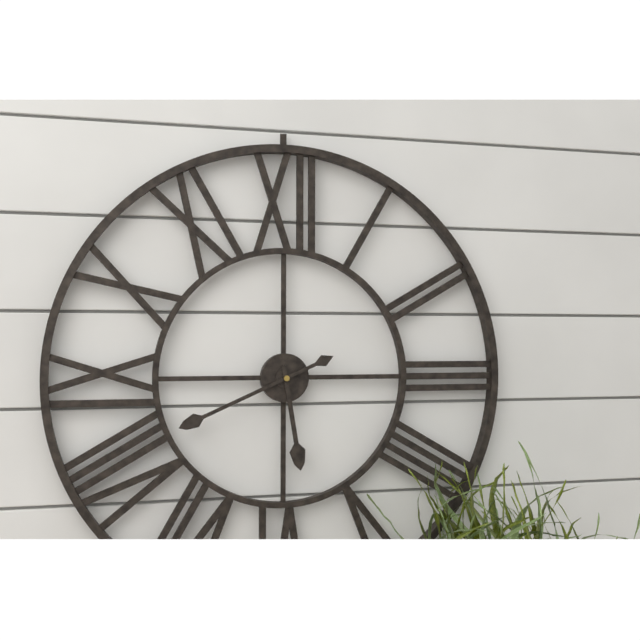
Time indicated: 5:41
